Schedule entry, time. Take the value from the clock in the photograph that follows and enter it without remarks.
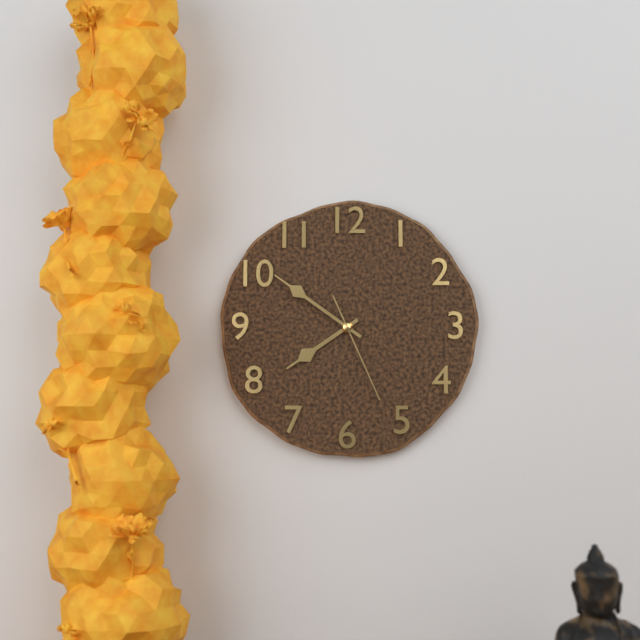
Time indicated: 7:51:26
